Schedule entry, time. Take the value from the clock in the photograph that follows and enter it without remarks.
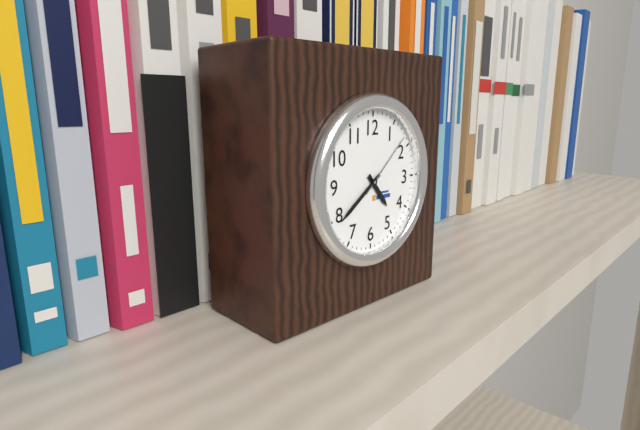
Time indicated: 4:39:08
